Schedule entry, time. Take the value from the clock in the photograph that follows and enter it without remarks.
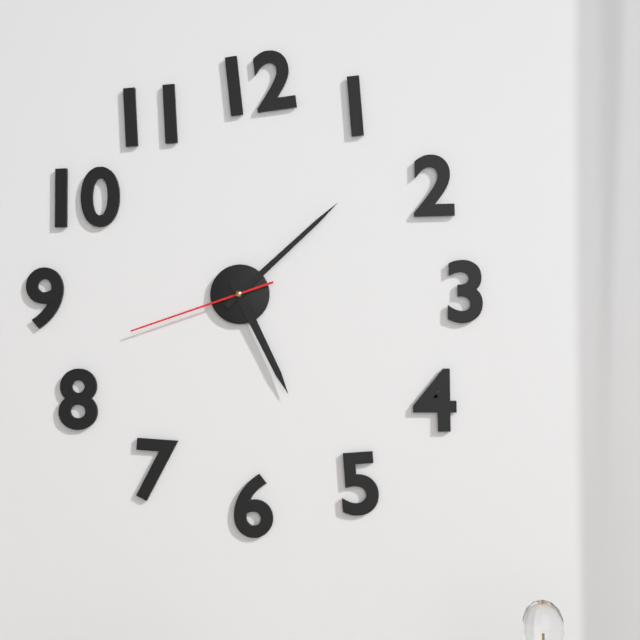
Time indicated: 5:08:42
